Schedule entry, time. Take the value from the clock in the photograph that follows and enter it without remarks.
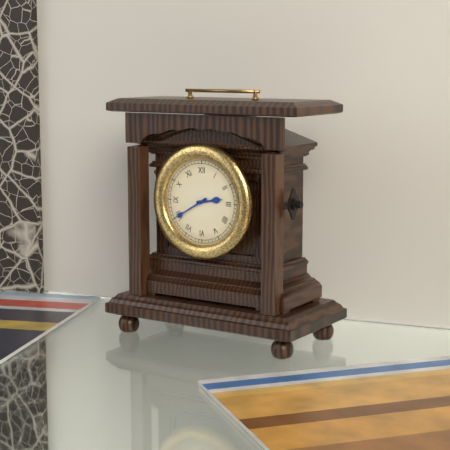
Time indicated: 2:40
